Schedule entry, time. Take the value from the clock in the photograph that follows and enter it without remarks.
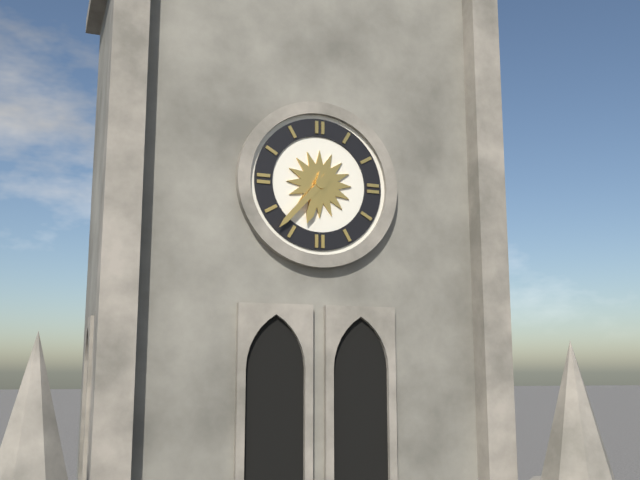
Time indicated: 6:37
